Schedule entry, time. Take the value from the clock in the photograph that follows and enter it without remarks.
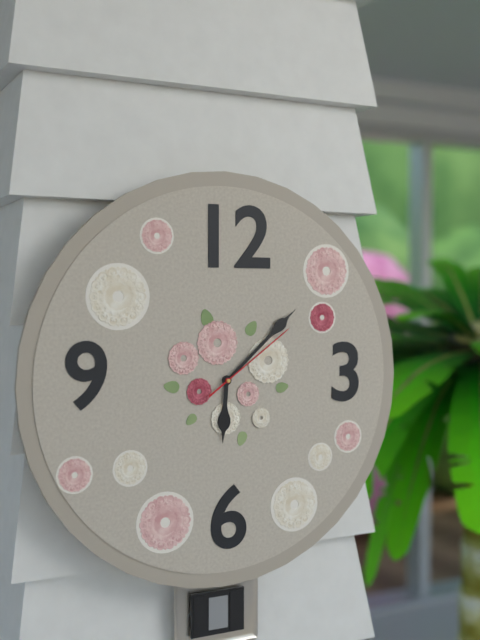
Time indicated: 6:08:09
